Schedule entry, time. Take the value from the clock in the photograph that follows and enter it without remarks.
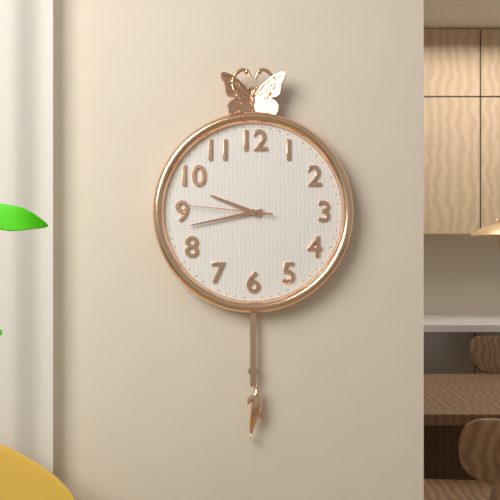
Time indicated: 9:43:46
